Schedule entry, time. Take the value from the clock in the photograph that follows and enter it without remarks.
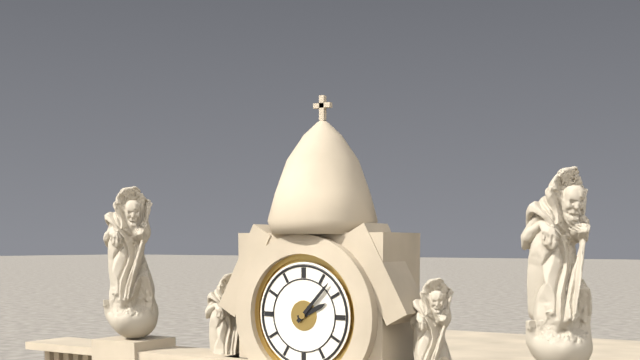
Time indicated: 2:07
